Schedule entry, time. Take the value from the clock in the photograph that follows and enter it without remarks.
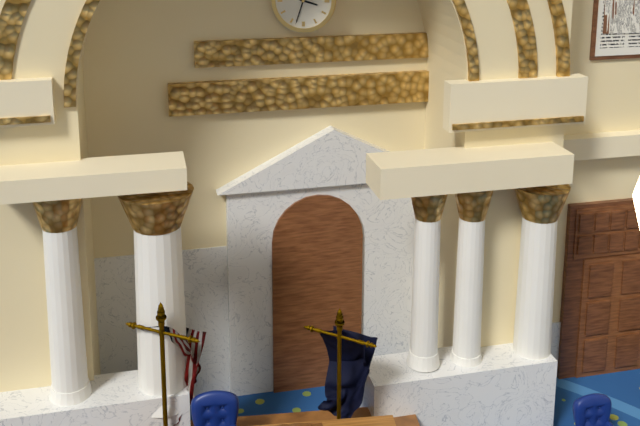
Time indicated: 3:33
